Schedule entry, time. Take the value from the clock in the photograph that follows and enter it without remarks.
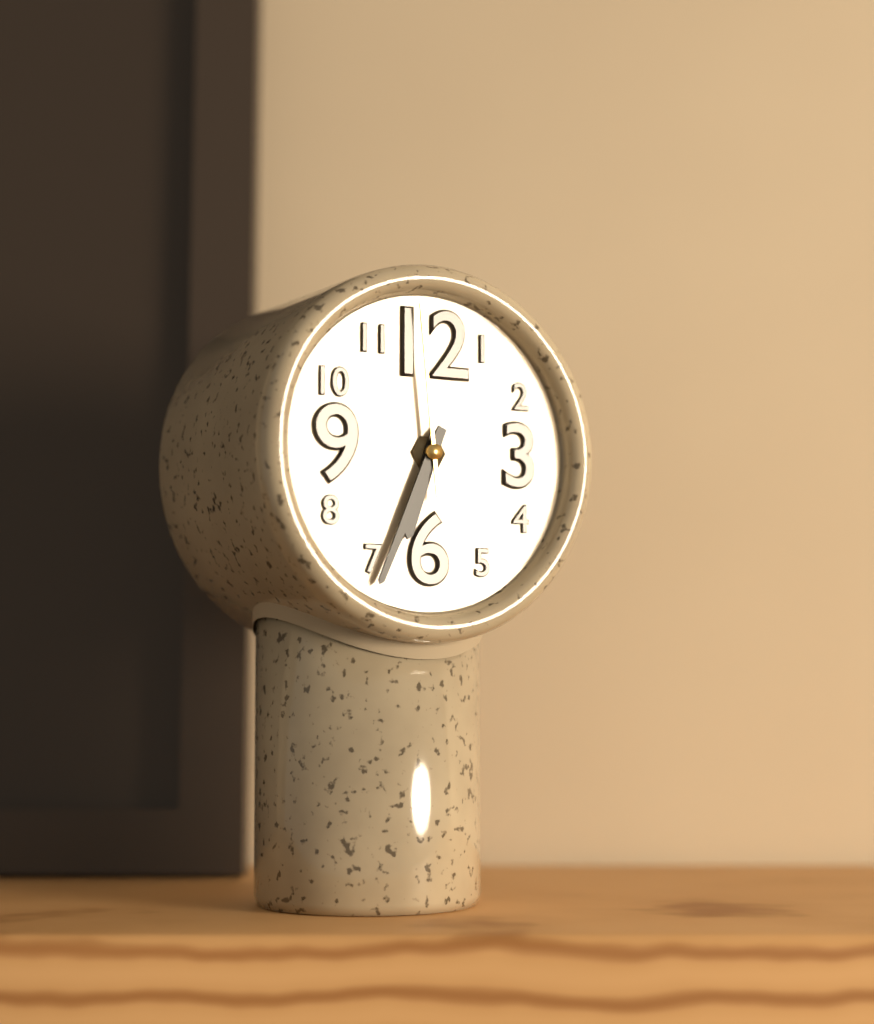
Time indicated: 6:34:59
